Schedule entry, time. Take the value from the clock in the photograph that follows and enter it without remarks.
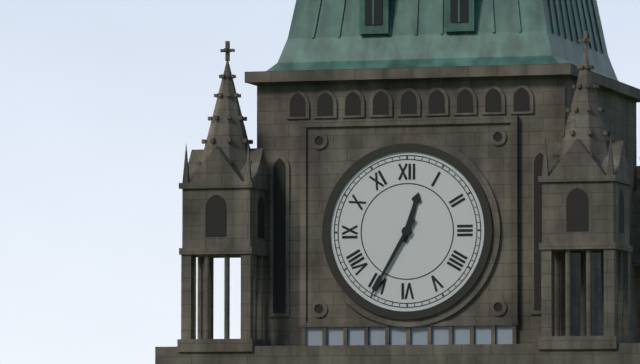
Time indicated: 12:35
